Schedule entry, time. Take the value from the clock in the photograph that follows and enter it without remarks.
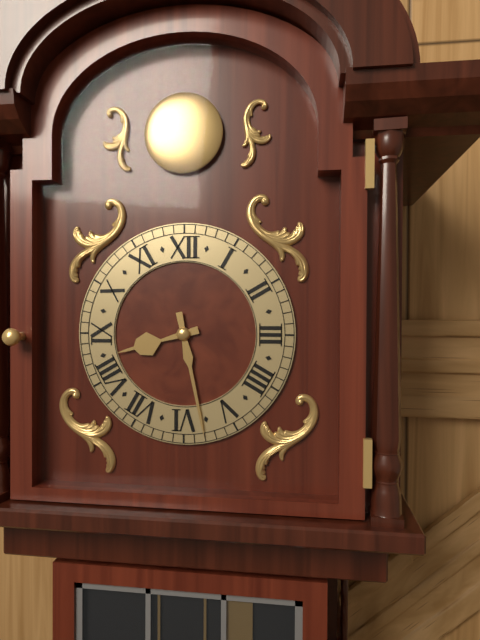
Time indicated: 8:28
